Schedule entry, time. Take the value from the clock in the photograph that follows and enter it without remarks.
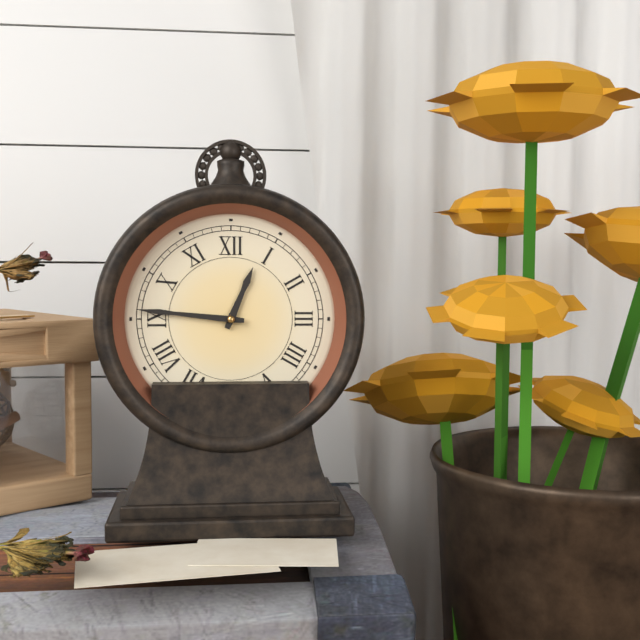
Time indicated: 12:46
